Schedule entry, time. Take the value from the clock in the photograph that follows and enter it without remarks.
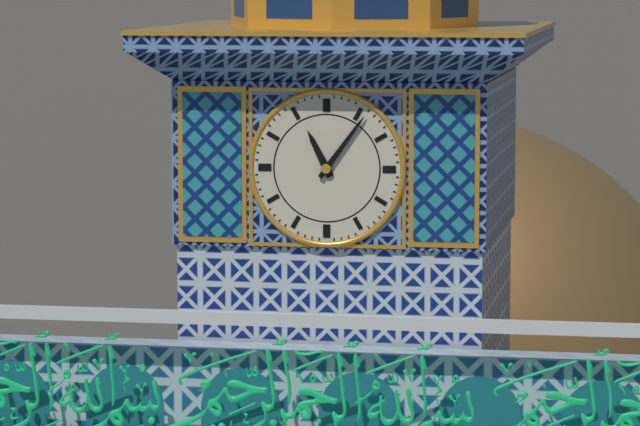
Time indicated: 11:06
